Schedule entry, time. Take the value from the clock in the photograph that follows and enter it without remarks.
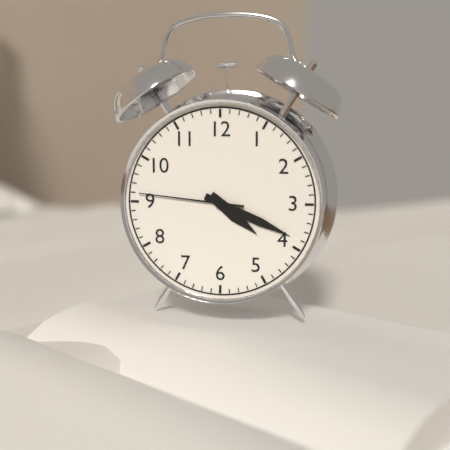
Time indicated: 4:19:46
